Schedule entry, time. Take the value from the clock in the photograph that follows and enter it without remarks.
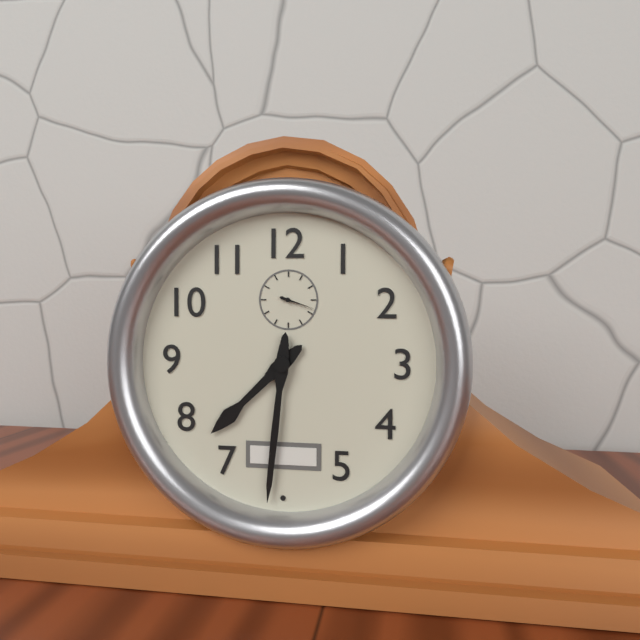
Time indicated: 7:31
